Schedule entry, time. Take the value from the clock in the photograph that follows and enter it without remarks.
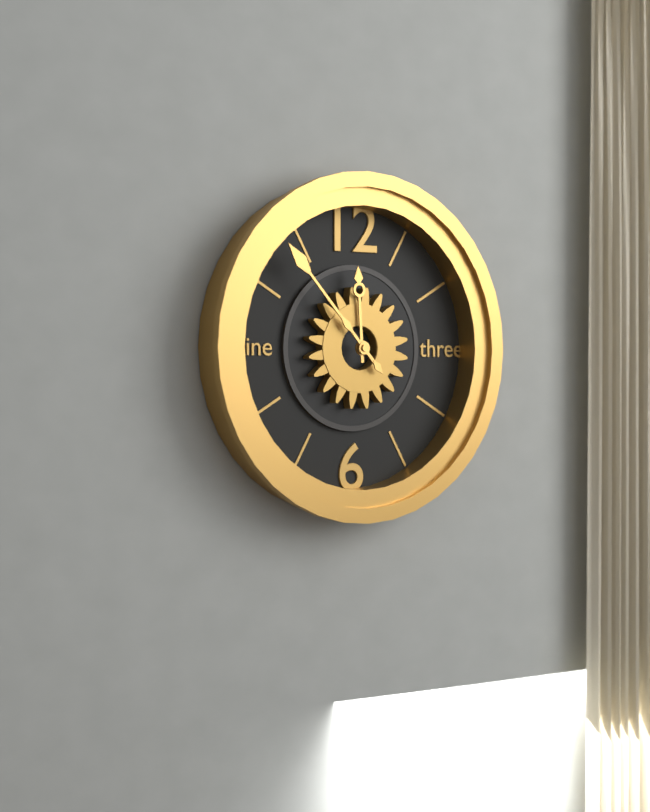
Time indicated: 11:53
